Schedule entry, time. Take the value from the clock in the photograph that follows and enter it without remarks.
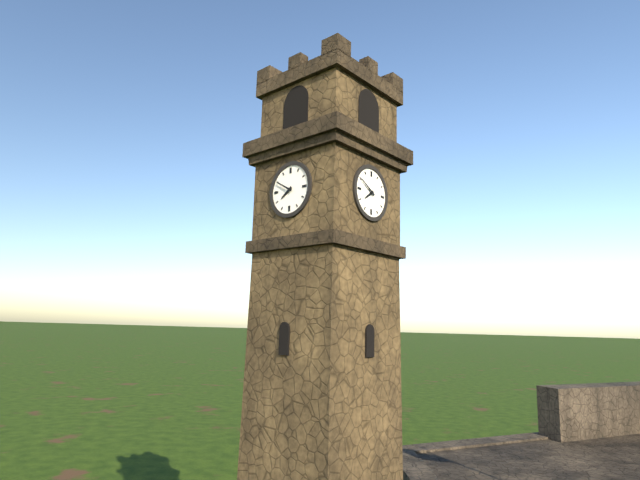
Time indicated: 7:50
